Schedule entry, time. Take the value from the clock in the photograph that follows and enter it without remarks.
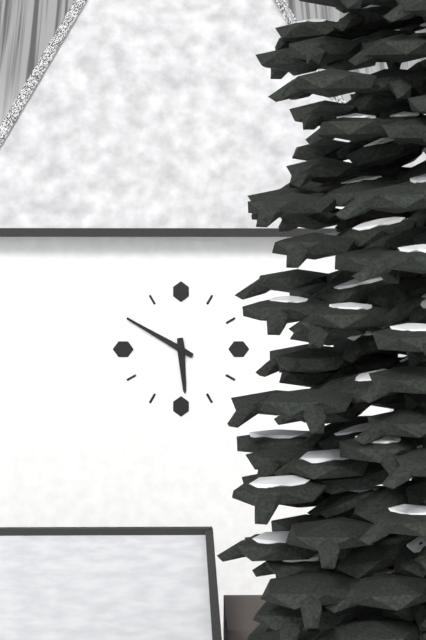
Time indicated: 5:50
